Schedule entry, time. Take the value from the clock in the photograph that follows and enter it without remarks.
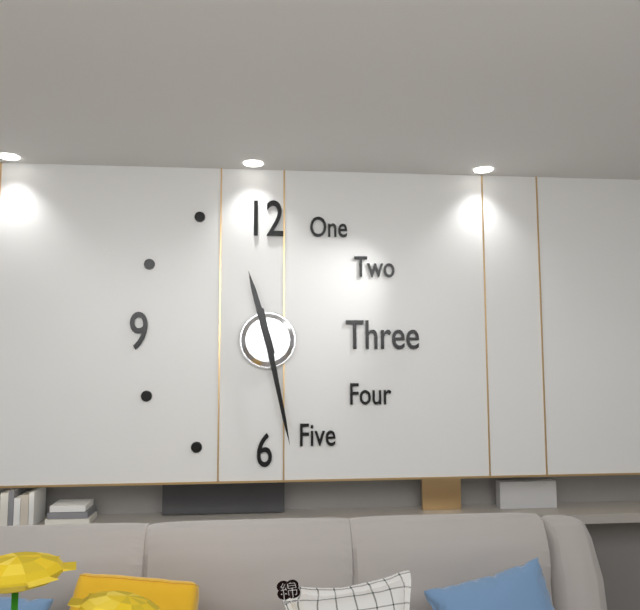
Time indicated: 11:28
